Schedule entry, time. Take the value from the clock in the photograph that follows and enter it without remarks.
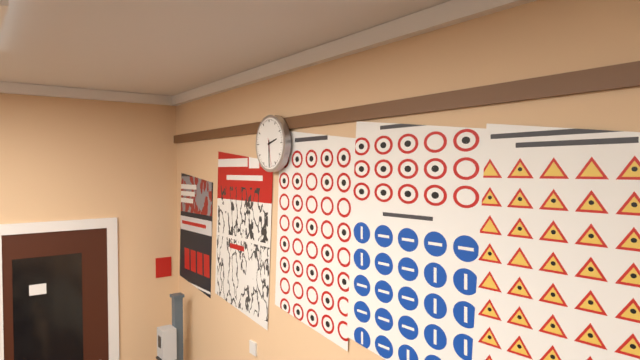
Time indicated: 2:30
